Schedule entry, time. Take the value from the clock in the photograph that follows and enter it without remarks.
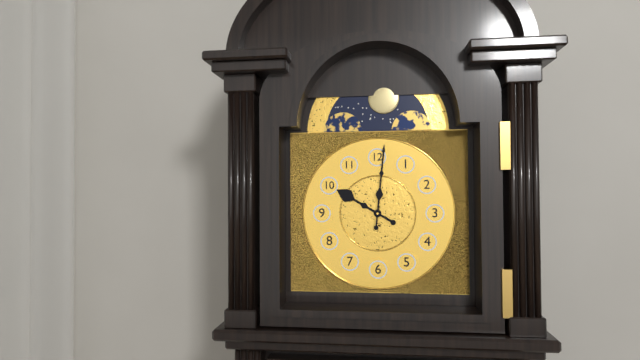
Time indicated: 10:01
